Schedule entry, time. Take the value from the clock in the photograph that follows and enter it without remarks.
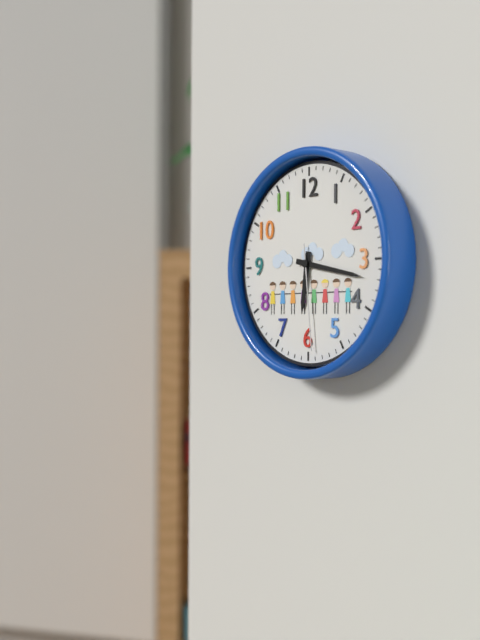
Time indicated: 6:17:29
